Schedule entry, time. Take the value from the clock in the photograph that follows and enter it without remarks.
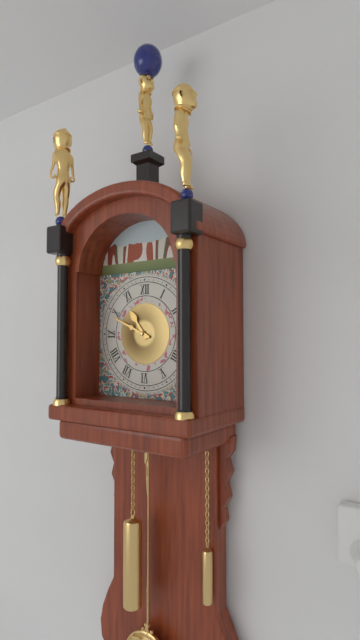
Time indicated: 10:49
